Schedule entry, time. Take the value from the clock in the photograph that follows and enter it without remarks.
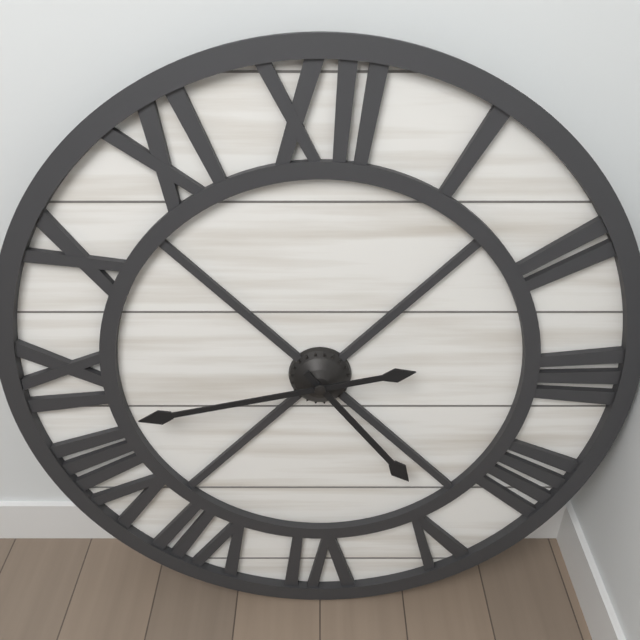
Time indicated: 4:43
